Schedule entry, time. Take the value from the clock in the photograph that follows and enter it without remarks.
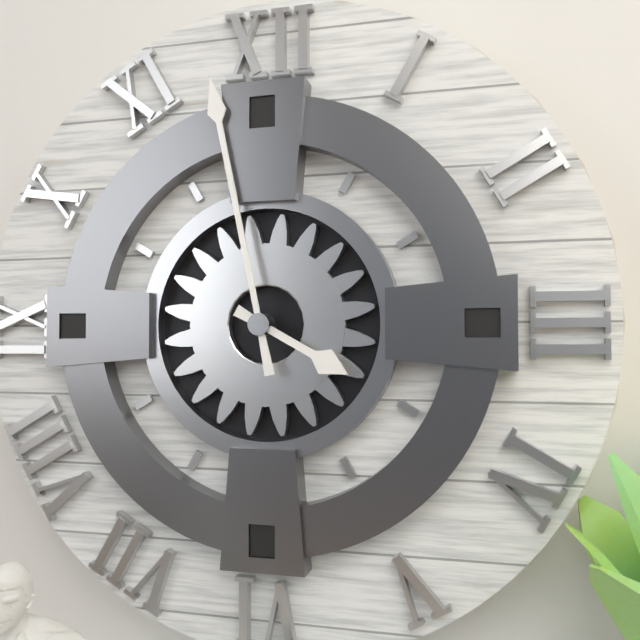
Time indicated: 3:58
